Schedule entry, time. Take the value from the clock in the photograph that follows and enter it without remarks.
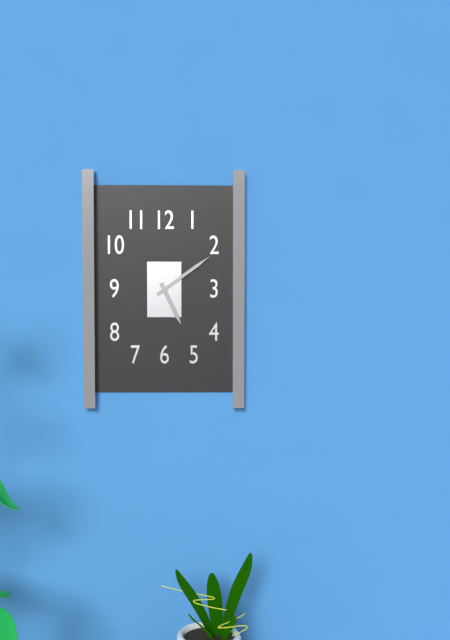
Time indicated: 5:09
